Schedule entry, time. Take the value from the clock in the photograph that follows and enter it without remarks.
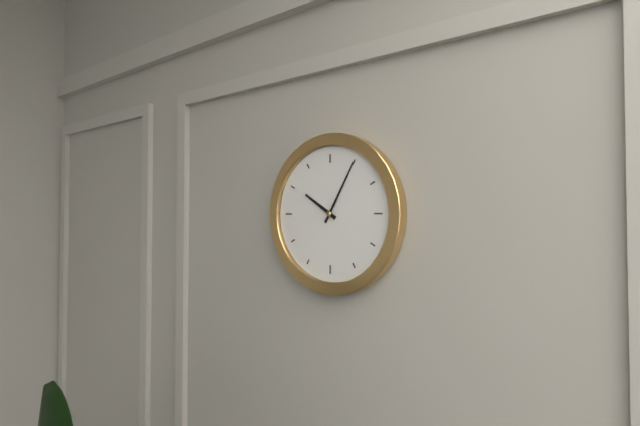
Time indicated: 10:05
